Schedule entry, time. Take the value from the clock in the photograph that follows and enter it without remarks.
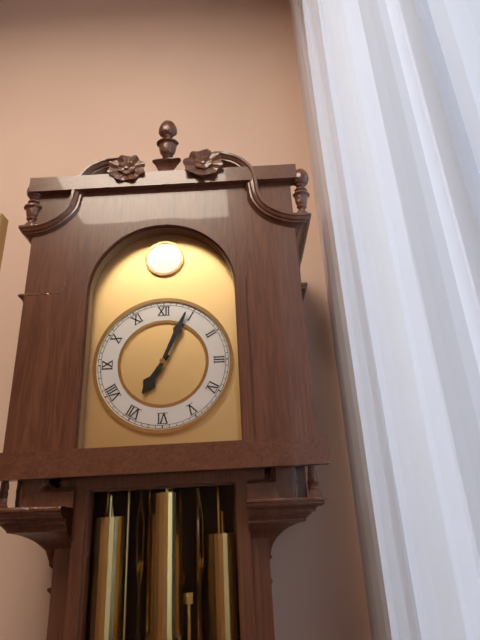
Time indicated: 7:04
